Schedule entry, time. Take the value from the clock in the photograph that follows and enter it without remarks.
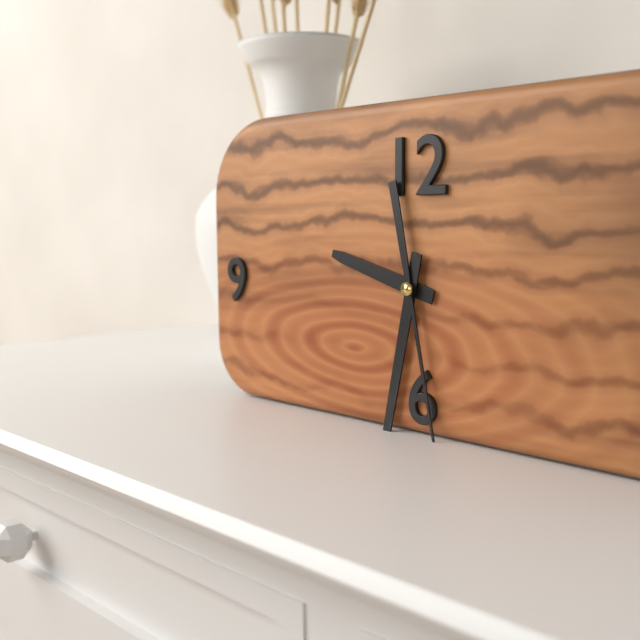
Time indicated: 9:32:28
